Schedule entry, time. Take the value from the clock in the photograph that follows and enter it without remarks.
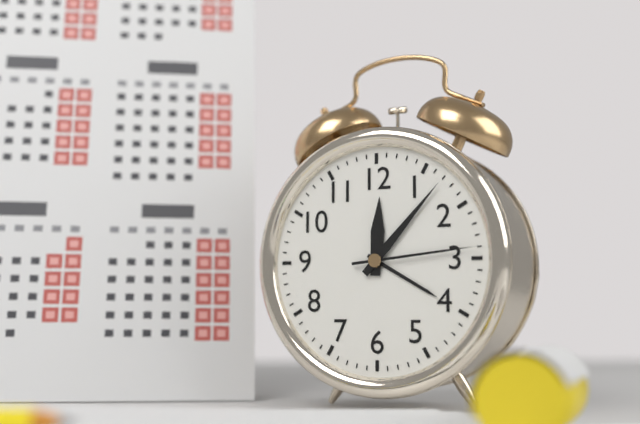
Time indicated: 12:07:14
